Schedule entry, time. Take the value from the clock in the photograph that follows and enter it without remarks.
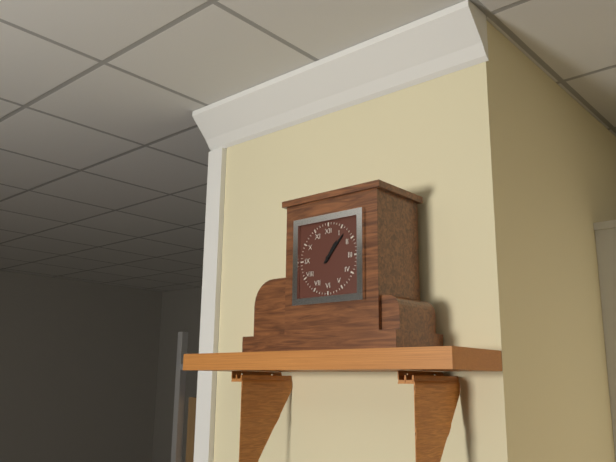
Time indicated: 1:07
